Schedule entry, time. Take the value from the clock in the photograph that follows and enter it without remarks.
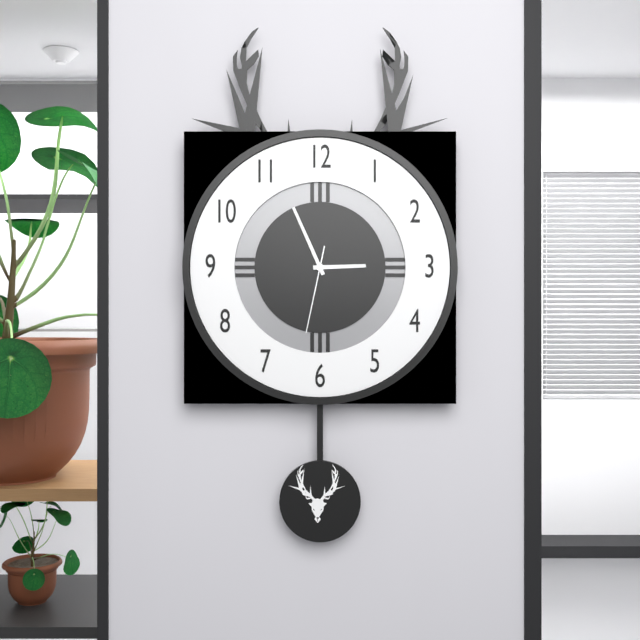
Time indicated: 2:56:32
